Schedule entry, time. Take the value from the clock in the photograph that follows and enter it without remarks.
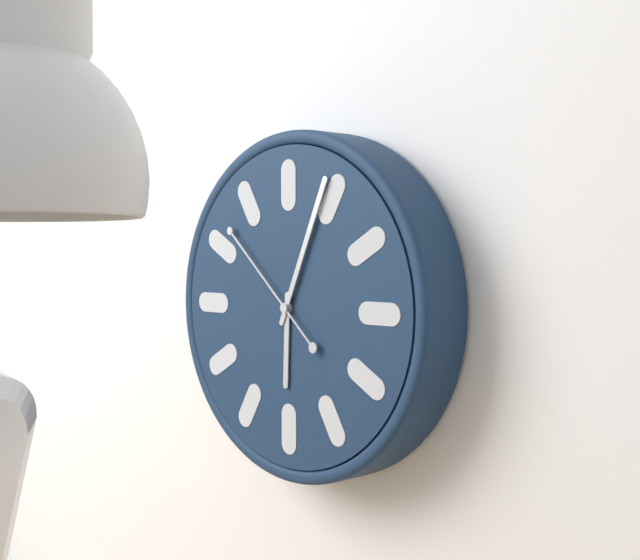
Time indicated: 6:04:52
